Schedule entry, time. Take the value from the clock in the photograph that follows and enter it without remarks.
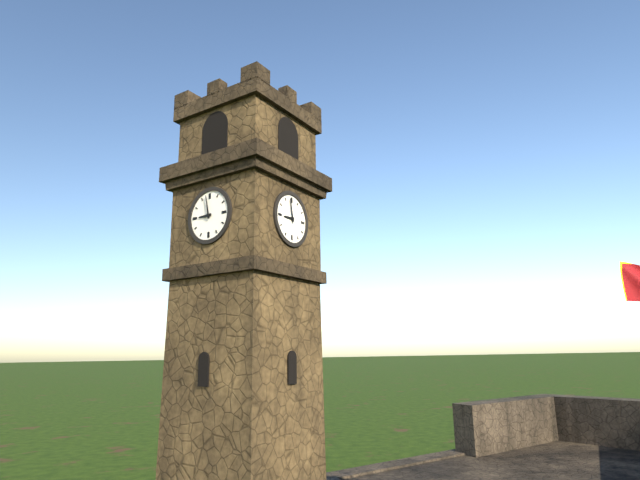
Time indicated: 8:58
